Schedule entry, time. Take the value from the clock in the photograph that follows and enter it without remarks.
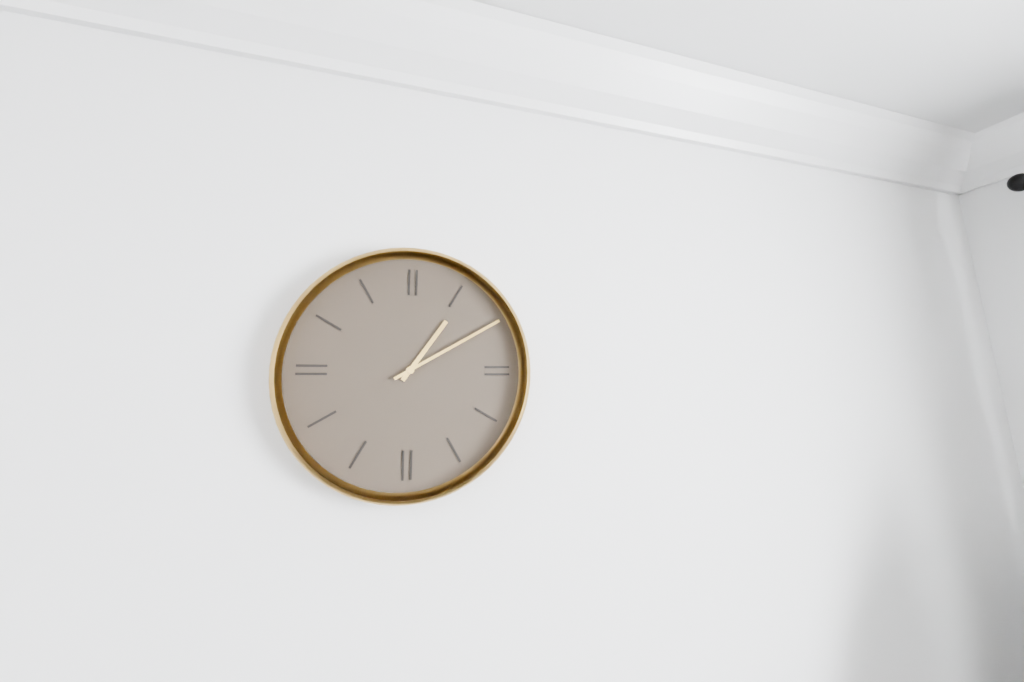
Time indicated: 1:10
